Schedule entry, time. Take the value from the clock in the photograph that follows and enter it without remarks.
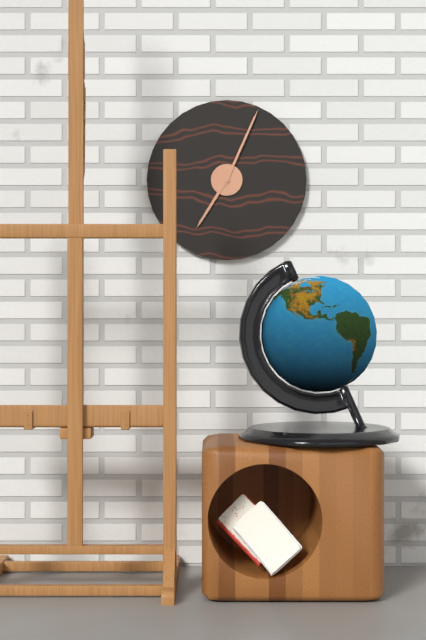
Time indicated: 7:04
